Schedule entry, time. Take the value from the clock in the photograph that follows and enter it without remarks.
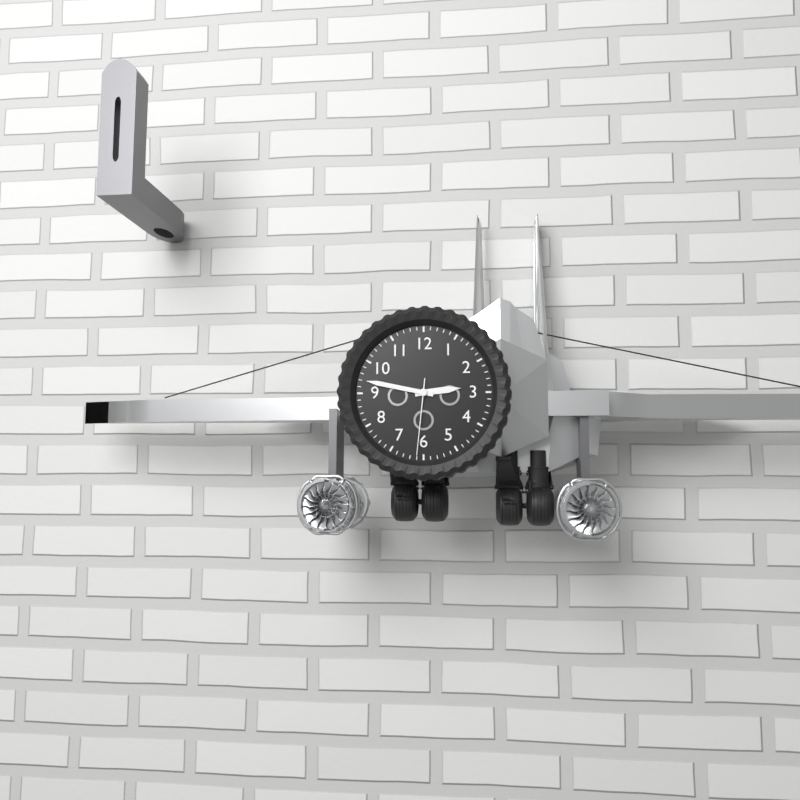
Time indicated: 2:47:31
